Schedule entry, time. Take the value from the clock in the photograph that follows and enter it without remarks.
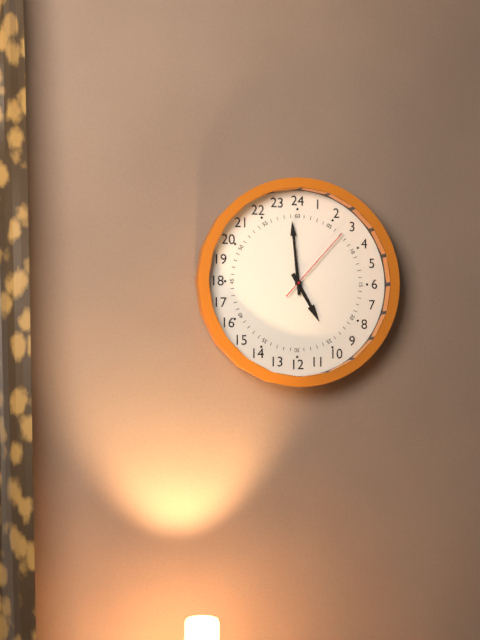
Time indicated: 4:59:07
